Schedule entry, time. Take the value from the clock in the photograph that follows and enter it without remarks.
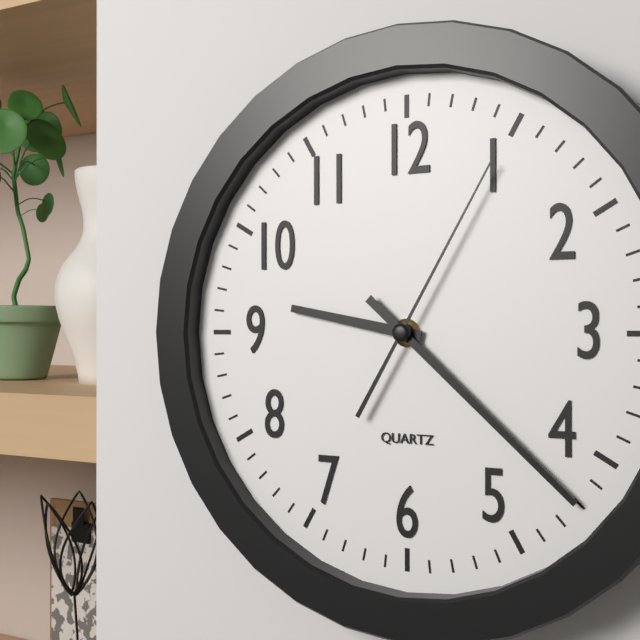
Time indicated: 9:22:05
